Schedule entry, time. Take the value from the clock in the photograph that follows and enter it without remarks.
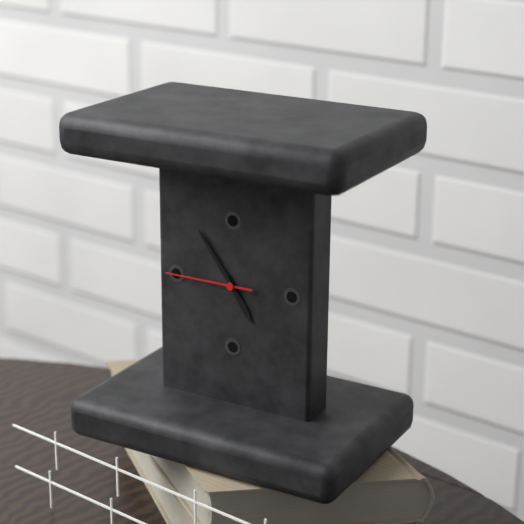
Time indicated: 4:54:45
